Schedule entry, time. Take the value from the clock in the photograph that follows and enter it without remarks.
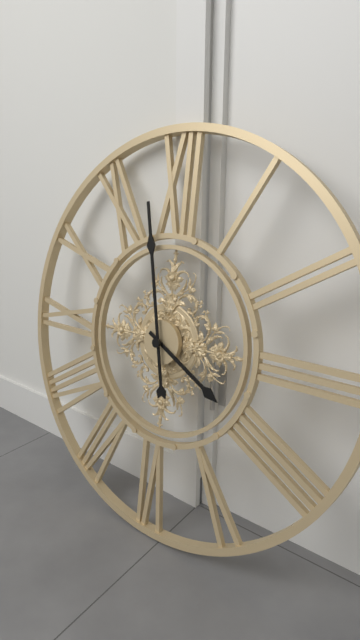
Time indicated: 3:58
